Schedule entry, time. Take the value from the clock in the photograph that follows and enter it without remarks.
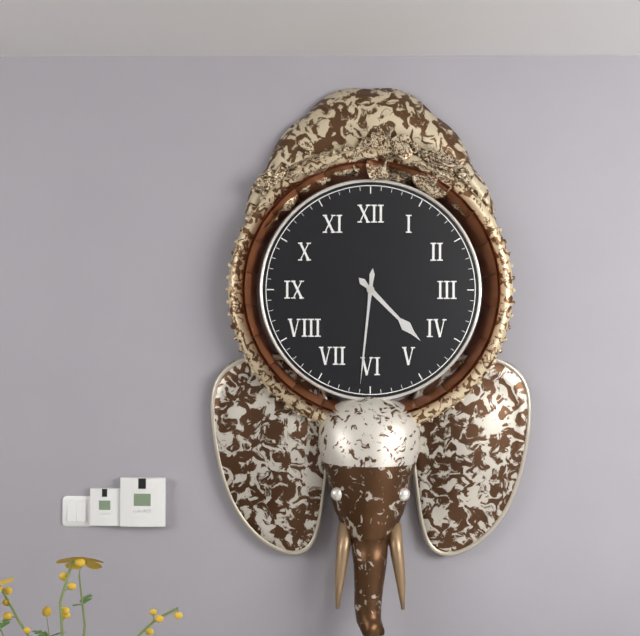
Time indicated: 4:31
